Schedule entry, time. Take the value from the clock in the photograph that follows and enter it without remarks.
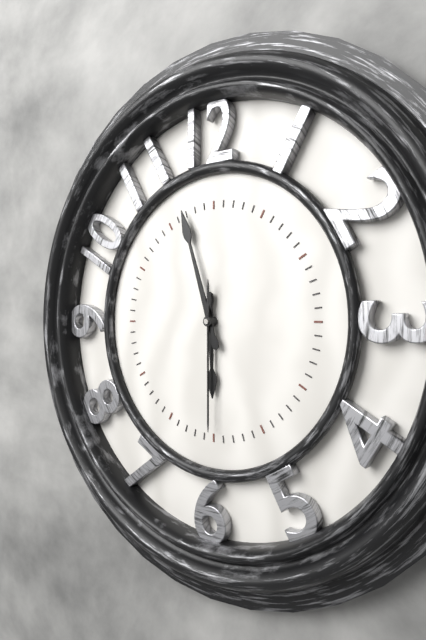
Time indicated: 5:57:30
